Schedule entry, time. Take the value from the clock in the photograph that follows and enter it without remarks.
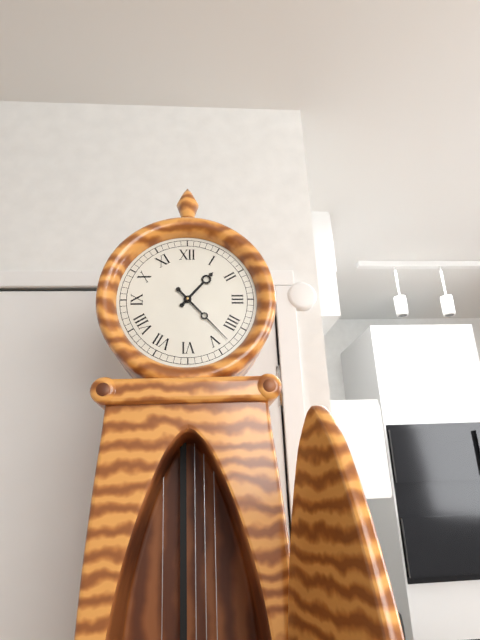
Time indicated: 1:23
